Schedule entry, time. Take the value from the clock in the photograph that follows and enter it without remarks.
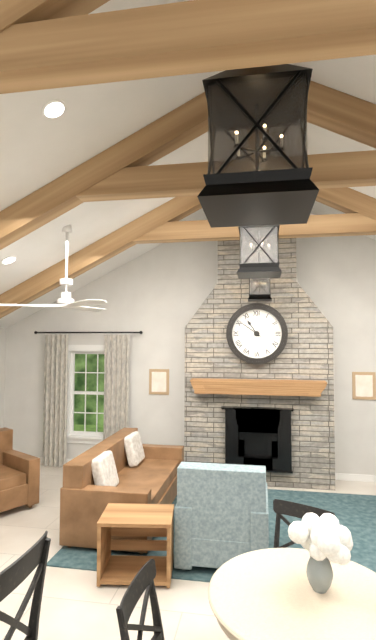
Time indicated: 10:51
